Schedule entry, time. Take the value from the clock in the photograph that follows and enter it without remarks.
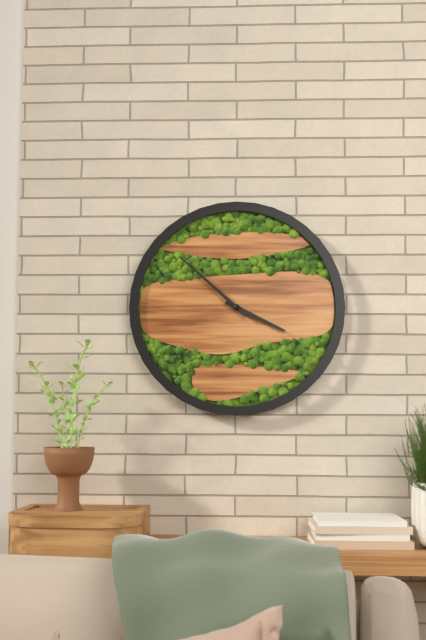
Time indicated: 3:52
